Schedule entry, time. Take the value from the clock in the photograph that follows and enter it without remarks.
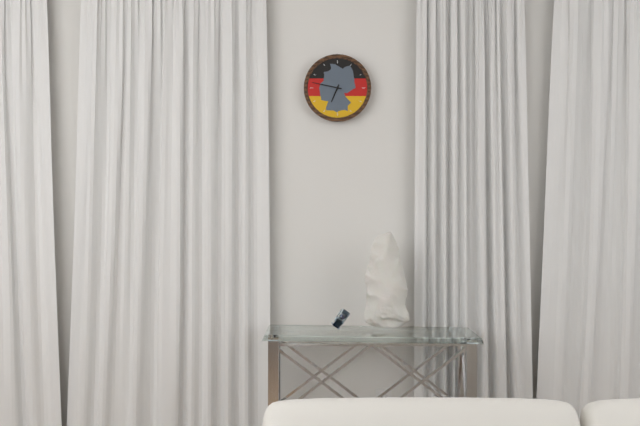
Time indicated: 6:47
